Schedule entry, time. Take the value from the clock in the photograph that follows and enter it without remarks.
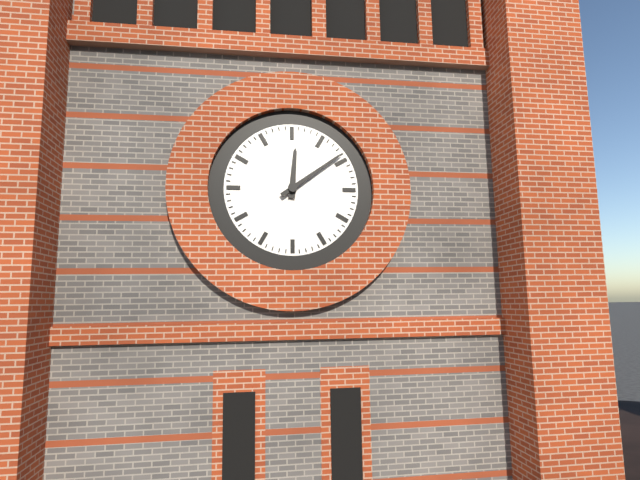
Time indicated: 12:09
